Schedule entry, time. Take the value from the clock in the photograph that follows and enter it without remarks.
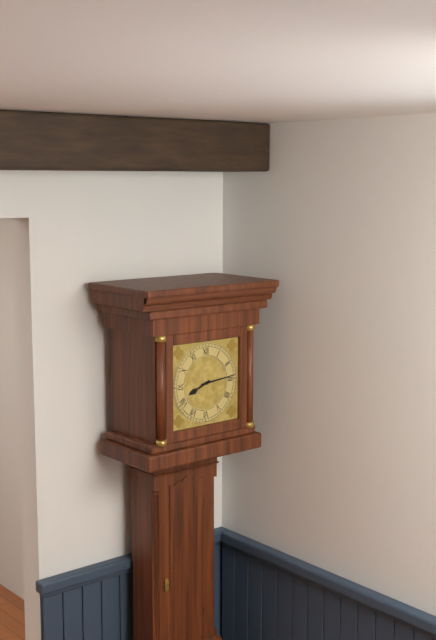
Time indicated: 8:14
